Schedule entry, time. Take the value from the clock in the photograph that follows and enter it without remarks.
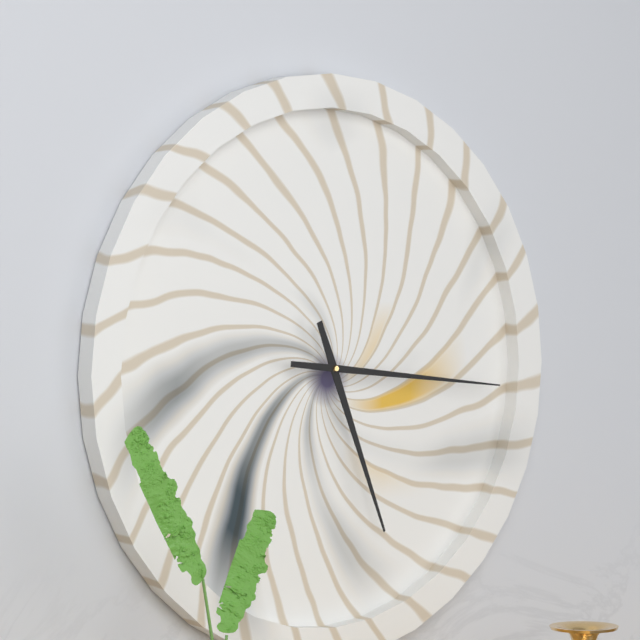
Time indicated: 5:16
